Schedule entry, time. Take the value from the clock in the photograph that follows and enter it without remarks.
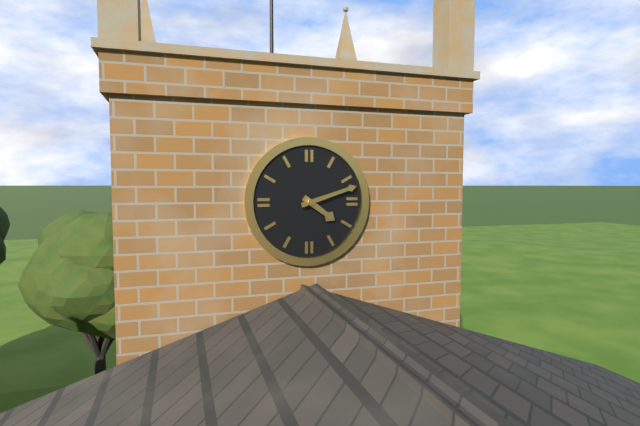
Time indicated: 4:12
